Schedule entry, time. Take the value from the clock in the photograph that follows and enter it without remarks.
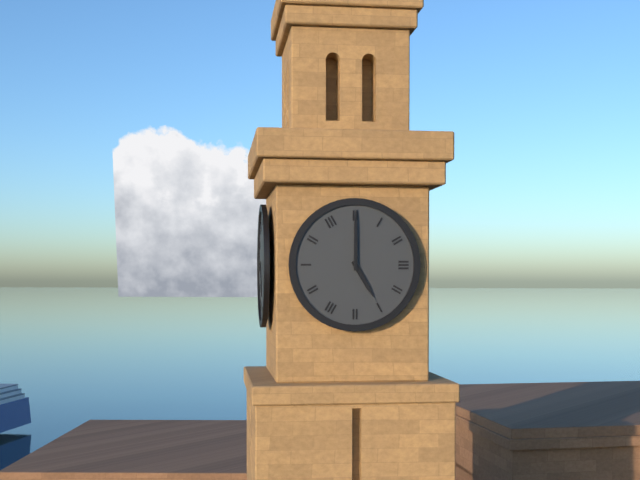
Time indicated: 5:00
